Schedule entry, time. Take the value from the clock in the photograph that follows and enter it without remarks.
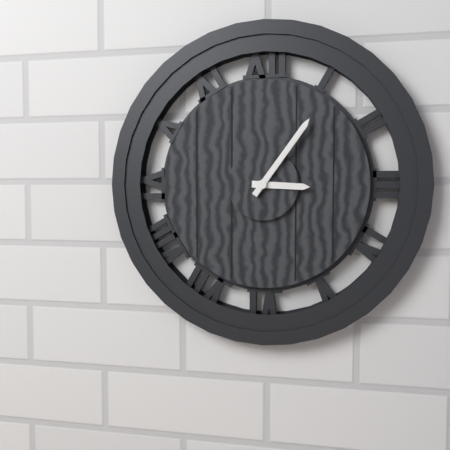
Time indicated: 3:06
